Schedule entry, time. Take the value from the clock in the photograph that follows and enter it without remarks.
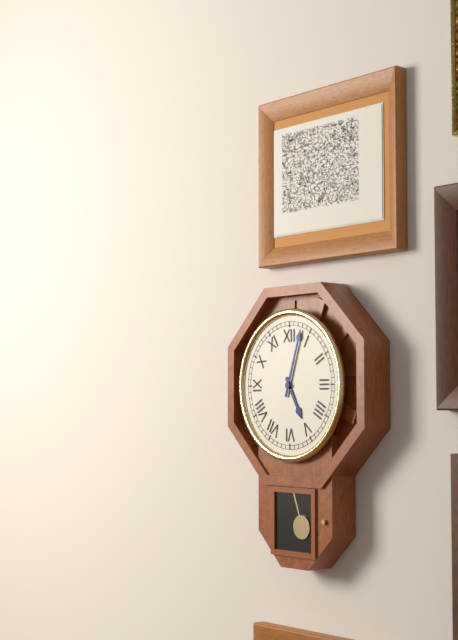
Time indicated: 5:03
